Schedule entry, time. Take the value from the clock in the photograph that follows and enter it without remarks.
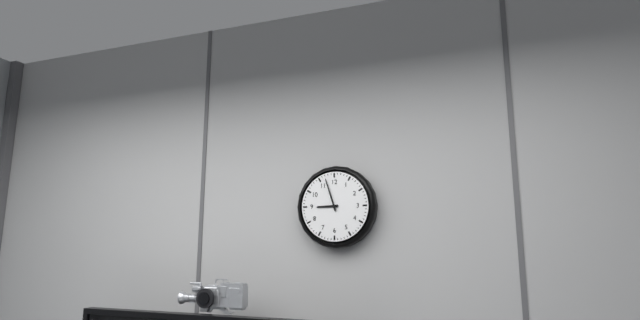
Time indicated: 8:57
